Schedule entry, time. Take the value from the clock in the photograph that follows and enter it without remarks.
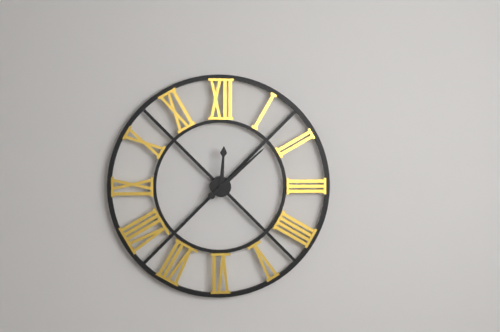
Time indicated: 12:08
